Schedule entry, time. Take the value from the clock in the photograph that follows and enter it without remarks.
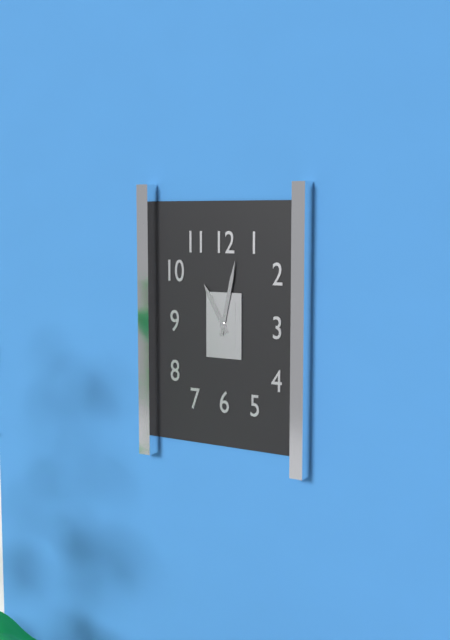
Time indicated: 11:02
